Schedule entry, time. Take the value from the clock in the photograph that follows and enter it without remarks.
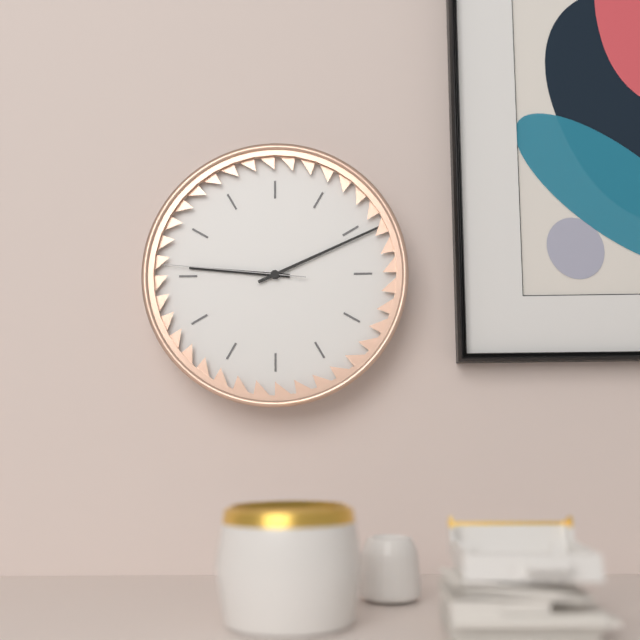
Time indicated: 9:11:46
